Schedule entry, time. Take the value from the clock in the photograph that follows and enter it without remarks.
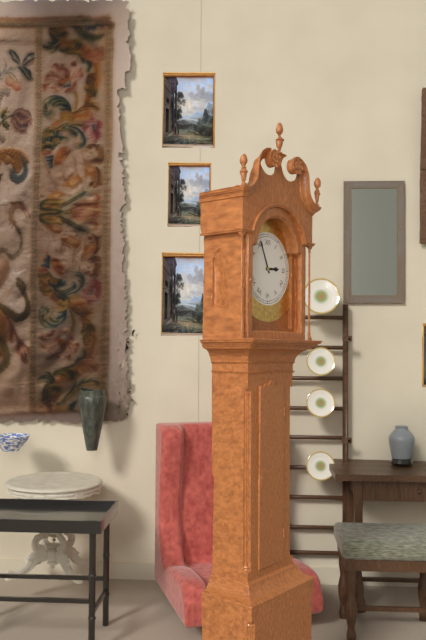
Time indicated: 2:56
